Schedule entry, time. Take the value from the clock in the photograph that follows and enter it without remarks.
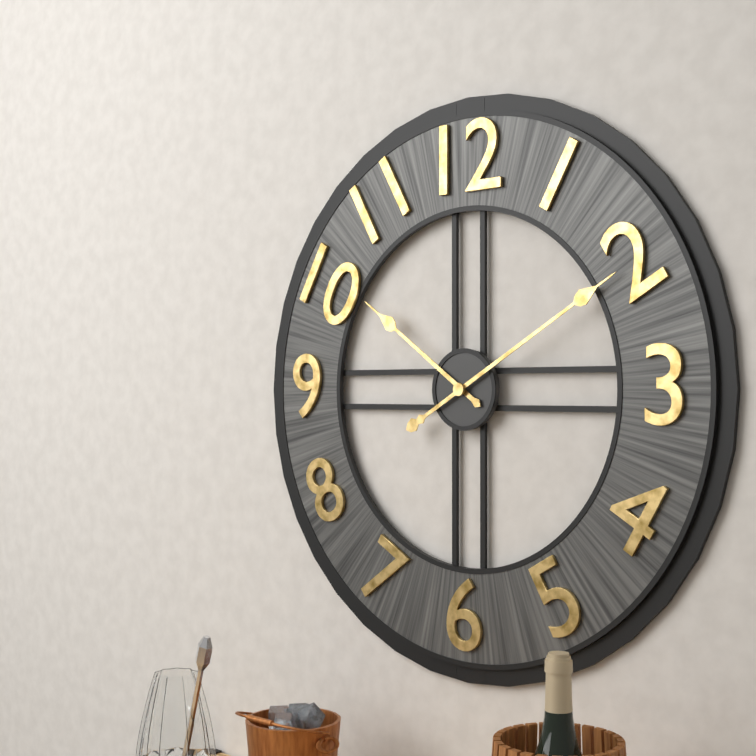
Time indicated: 10:10
